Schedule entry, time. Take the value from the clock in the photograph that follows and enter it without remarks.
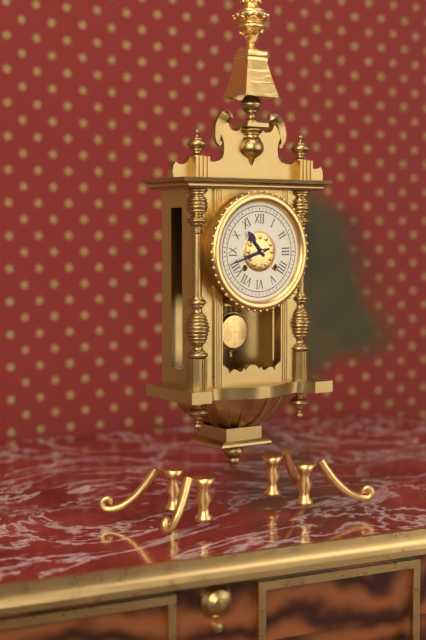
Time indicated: 10:42
